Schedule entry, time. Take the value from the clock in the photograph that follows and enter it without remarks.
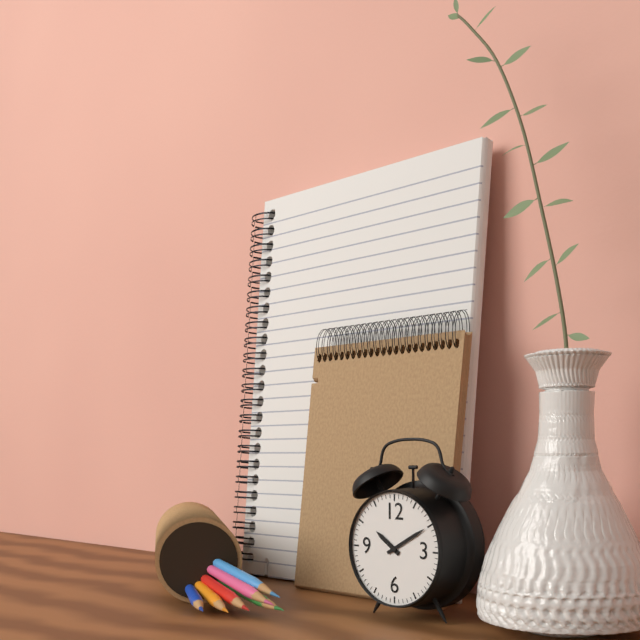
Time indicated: 10:10
